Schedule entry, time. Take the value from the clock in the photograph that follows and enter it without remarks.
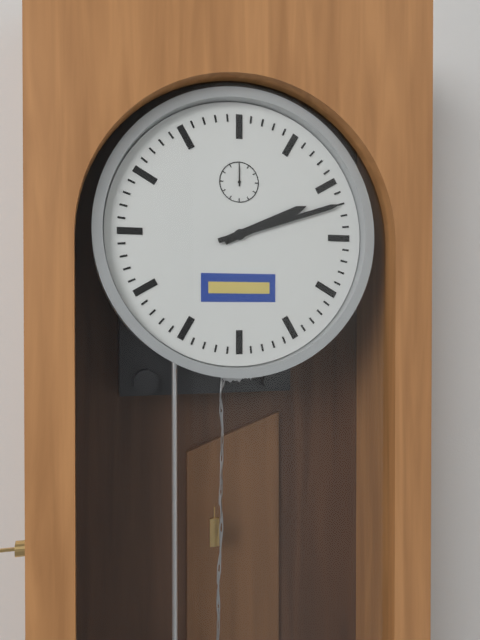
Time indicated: 2:12
